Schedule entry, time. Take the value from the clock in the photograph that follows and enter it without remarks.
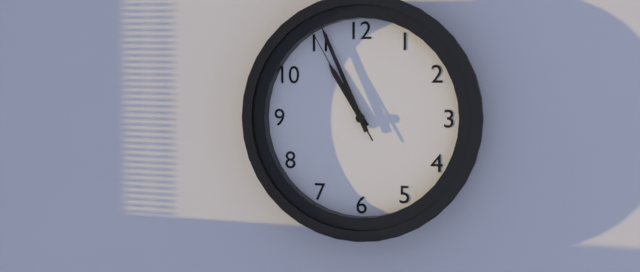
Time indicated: 10:56:55
